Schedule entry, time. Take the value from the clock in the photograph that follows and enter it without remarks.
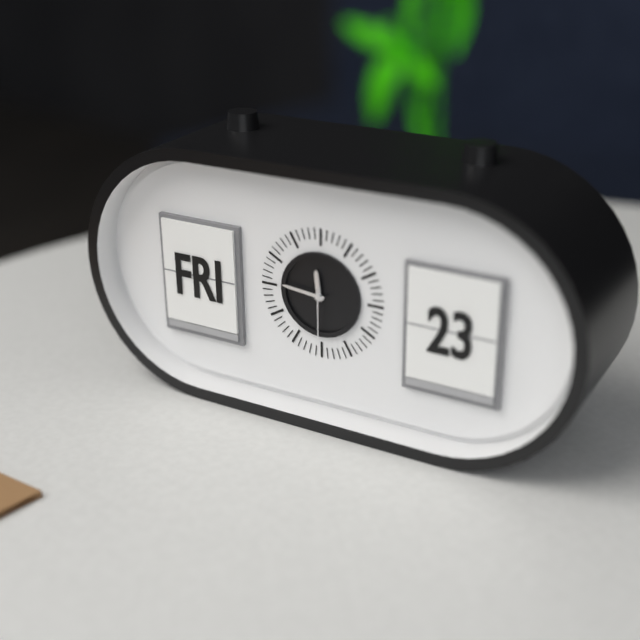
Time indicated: 11:46:30
